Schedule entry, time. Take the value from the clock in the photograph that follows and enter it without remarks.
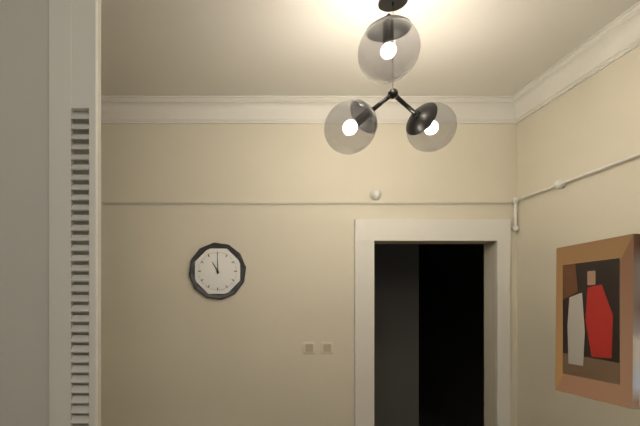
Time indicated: 11:00
